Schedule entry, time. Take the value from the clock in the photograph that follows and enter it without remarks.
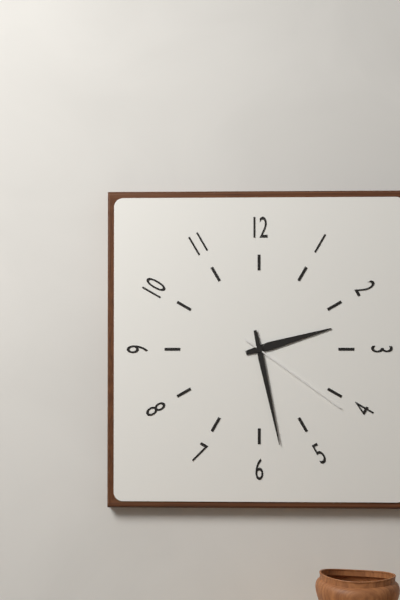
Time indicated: 2:28:21
